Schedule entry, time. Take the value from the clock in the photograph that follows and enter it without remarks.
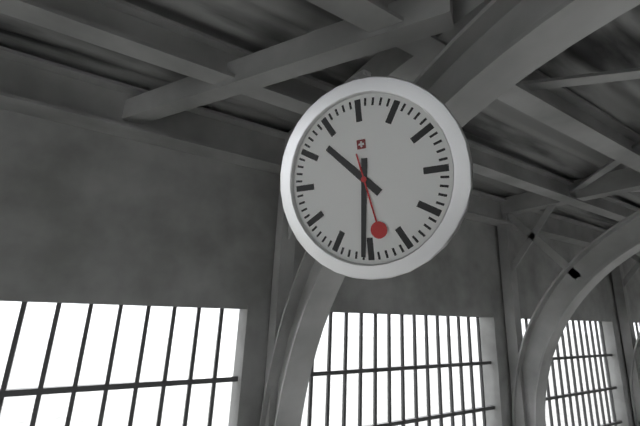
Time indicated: 10:31:28
